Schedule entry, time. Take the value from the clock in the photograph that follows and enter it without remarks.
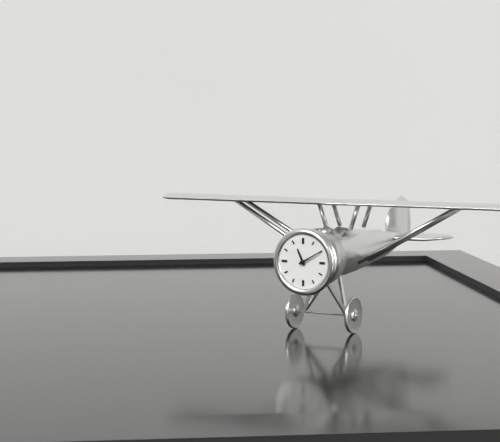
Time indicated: 11:10
